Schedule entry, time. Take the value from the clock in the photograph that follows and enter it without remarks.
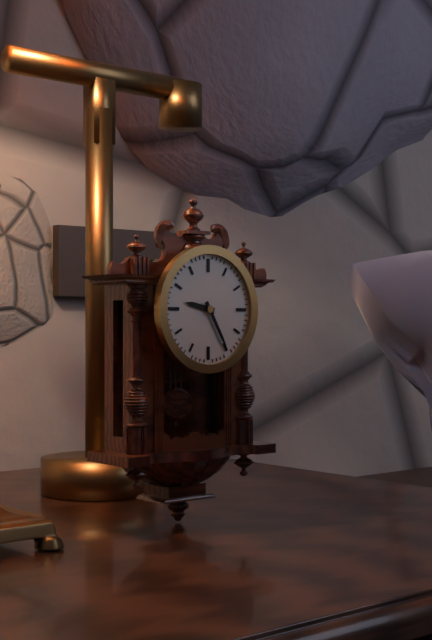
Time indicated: 9:25
